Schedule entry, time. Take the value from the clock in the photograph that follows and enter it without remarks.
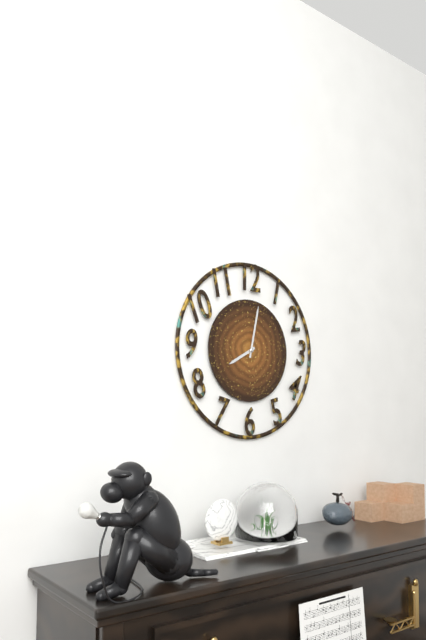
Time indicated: 8:02
